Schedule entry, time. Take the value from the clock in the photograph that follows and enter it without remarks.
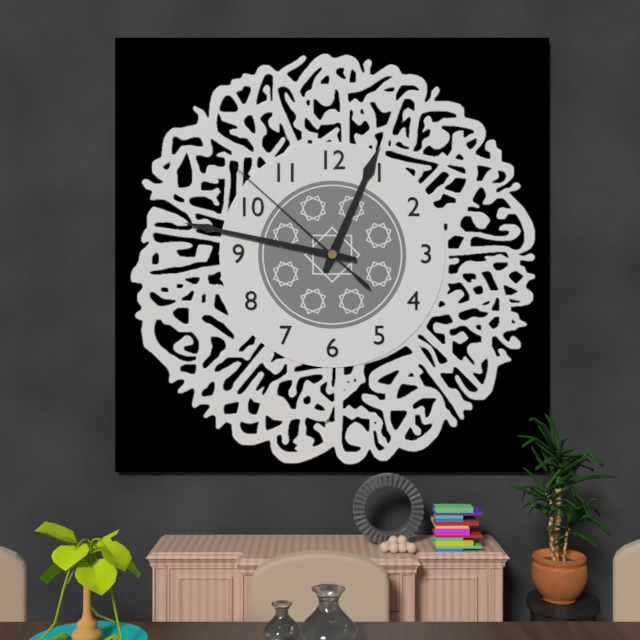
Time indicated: 12:47:52
